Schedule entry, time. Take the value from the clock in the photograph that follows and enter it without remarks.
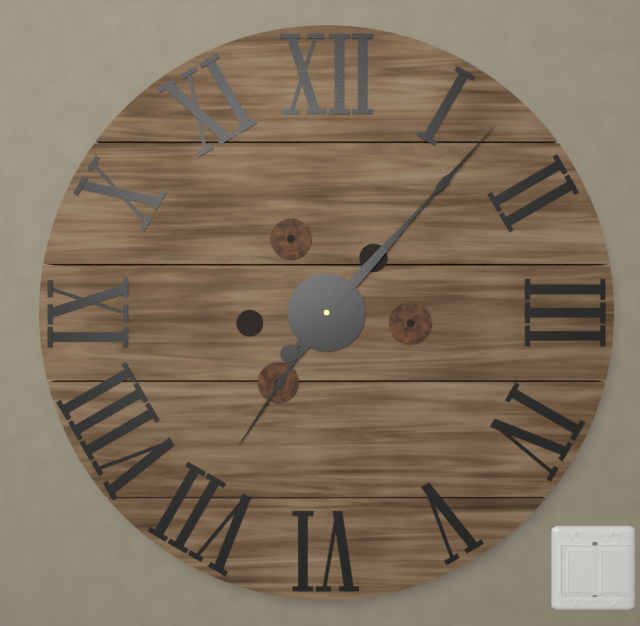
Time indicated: 7:07
